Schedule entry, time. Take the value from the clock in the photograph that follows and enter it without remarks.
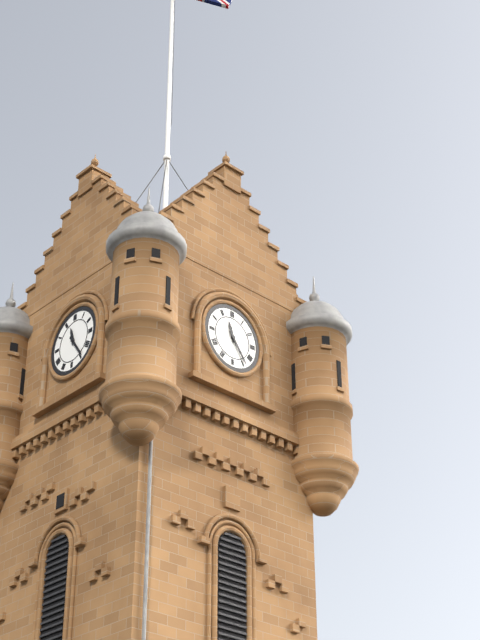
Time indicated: 11:24
